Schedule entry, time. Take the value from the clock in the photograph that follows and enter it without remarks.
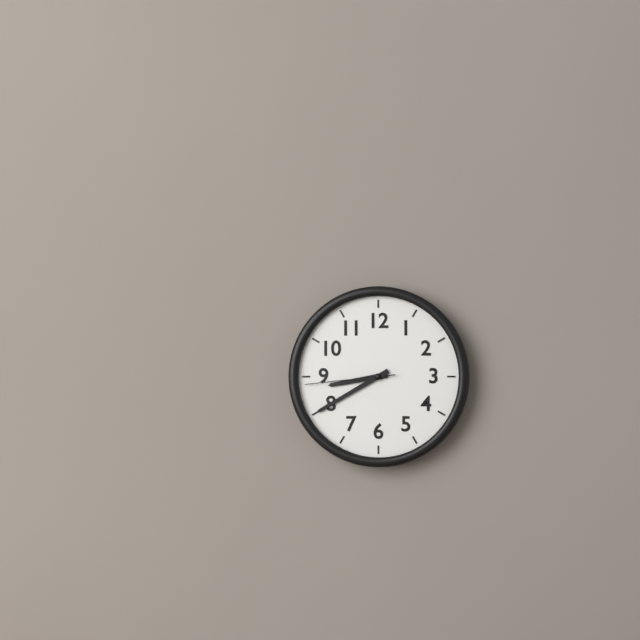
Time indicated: 8:40:44
